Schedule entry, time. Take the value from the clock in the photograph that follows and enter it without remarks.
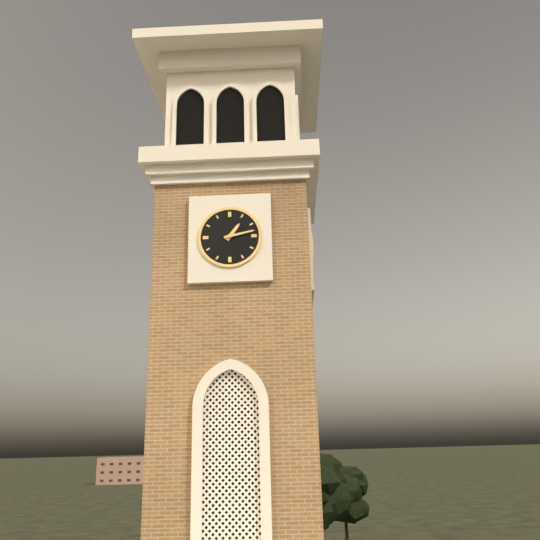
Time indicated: 1:13
